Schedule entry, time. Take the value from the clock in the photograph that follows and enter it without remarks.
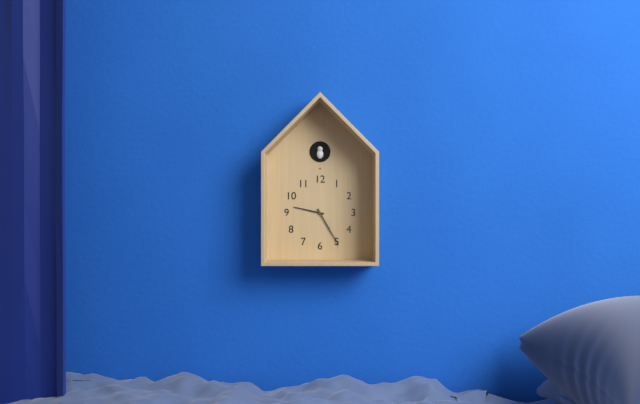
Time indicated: 9:25
